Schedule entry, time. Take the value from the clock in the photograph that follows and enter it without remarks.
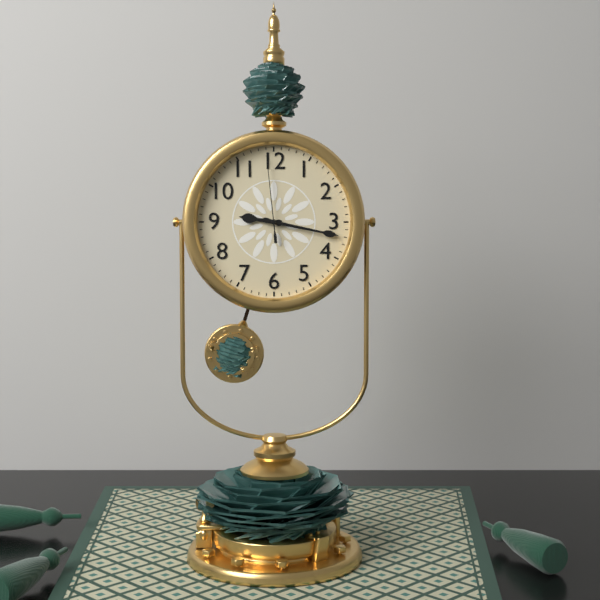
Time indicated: 9:17:59
